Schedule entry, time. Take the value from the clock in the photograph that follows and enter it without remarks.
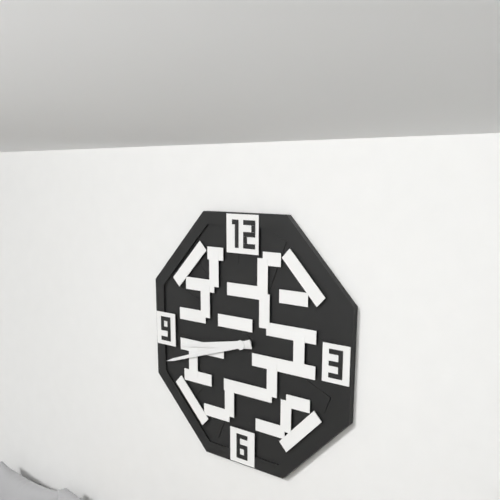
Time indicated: 8:42
